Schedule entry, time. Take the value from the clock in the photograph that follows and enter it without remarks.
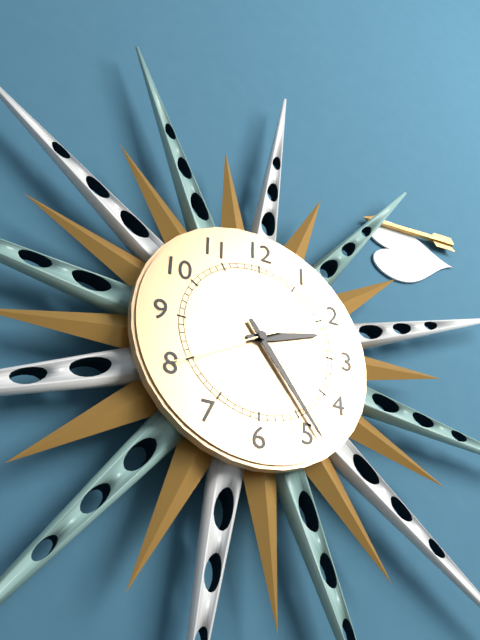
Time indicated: 2:24:40
